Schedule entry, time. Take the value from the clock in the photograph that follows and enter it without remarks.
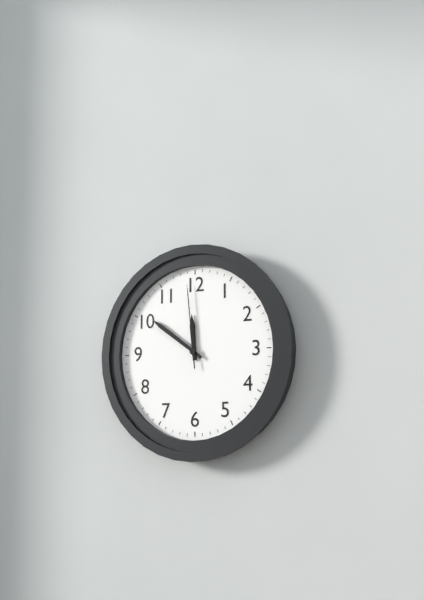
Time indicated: 11:51:59
